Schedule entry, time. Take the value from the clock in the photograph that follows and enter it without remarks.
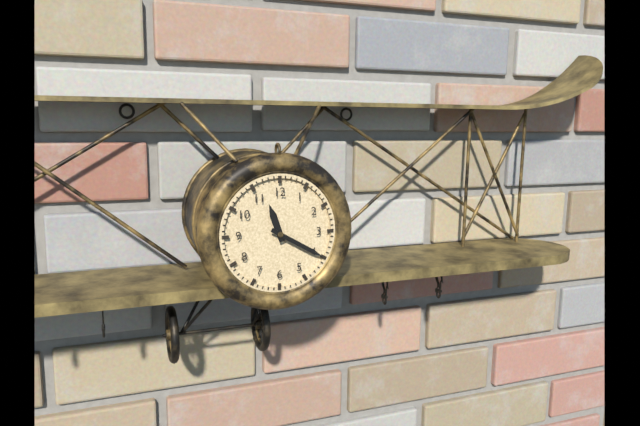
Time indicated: 11:20
